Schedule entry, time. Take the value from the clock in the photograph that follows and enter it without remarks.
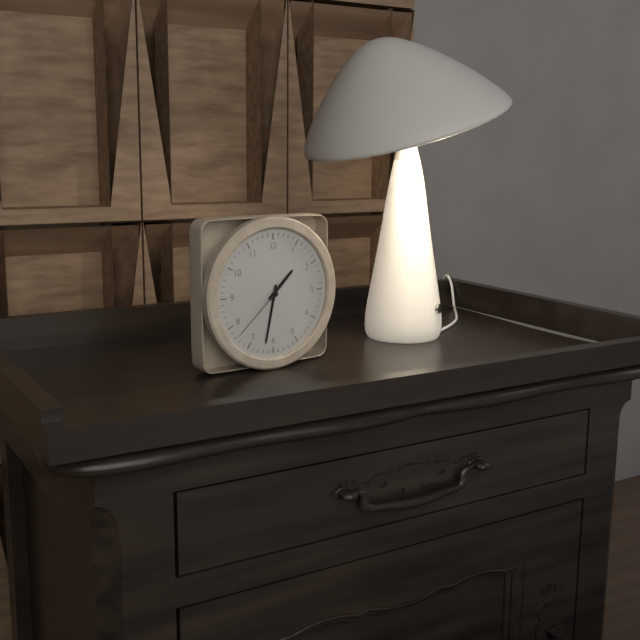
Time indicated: 1:32:38
